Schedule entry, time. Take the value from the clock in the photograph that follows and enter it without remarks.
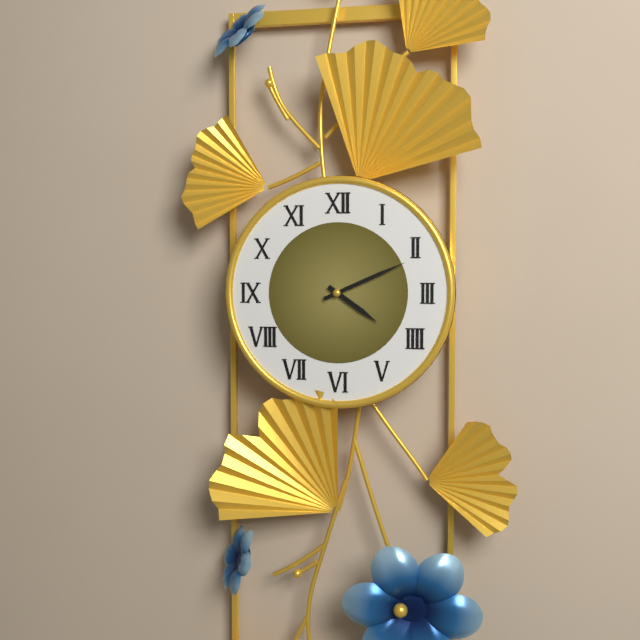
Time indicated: 4:11
